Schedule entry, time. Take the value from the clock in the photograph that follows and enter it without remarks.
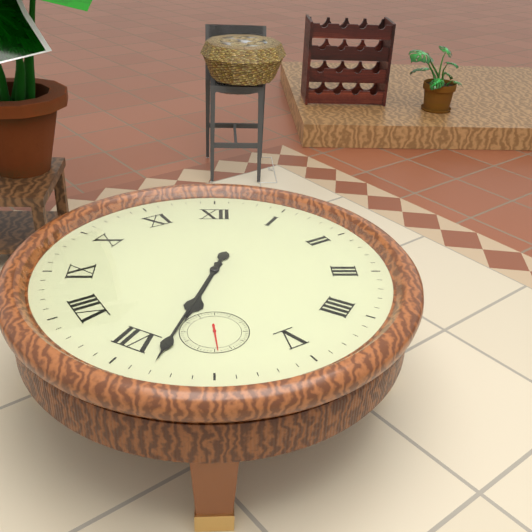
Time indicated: 6:33
